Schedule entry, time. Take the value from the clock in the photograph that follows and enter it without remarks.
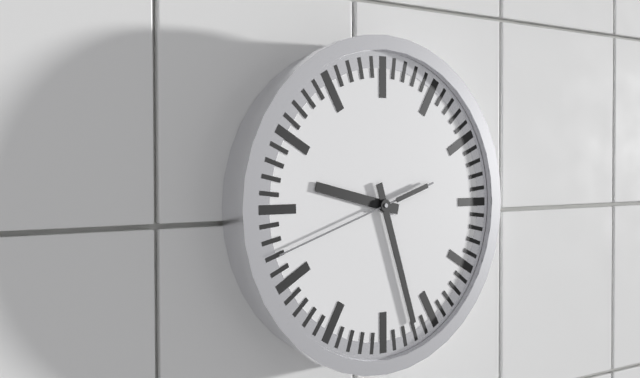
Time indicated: 9:27:42
